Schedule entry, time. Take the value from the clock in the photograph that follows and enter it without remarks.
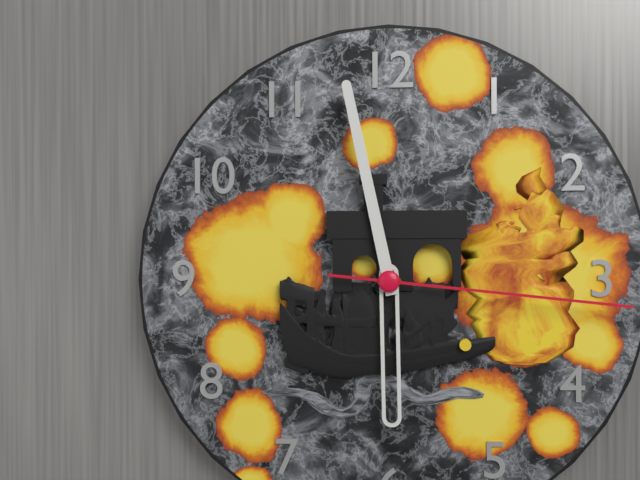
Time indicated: 5:58:16
